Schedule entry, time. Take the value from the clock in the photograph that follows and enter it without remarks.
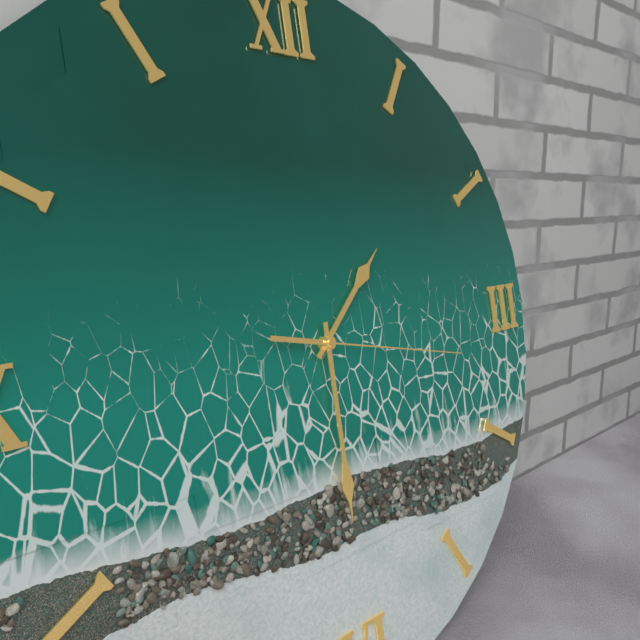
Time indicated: 1:30:17
